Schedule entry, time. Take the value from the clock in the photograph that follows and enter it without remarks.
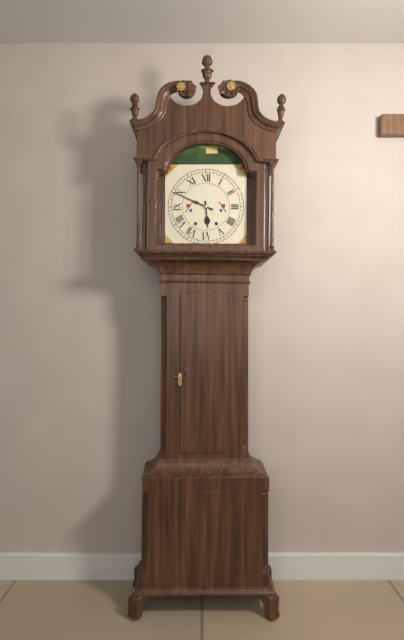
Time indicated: 5:49
